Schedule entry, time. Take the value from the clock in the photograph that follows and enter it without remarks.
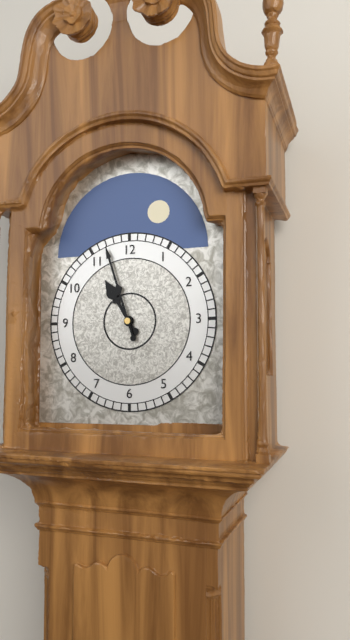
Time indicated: 10:57
